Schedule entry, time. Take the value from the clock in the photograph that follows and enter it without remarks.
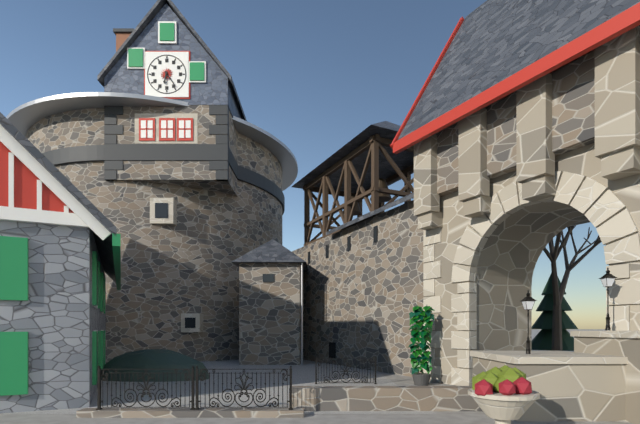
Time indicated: 6:24
